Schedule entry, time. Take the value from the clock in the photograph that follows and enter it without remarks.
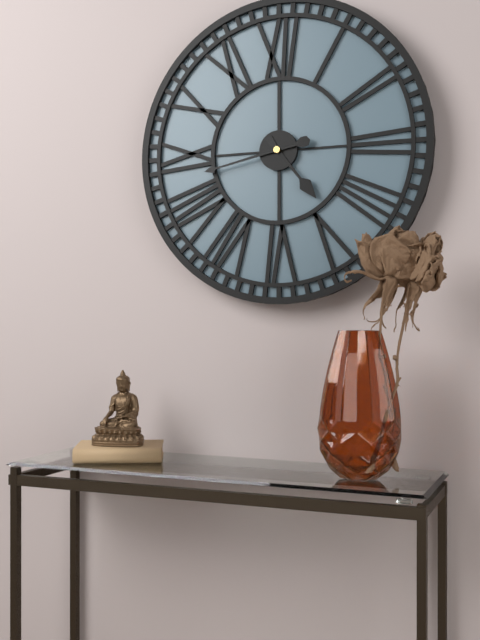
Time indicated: 4:43
